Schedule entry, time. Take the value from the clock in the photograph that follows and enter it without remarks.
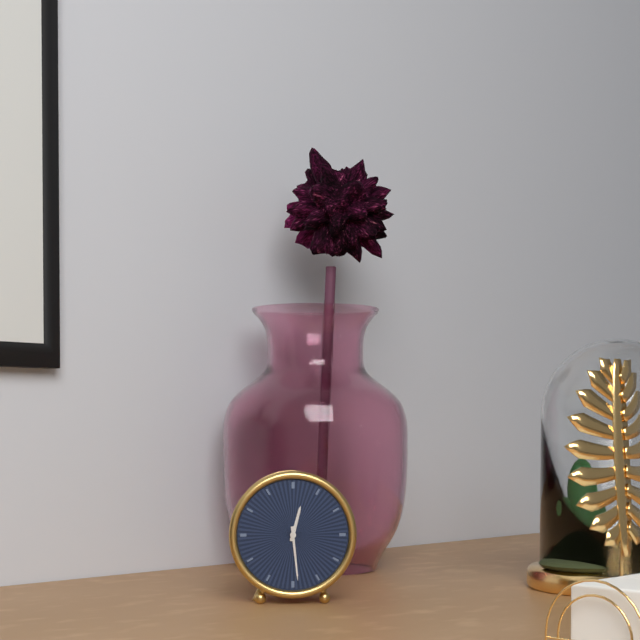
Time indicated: 12:29
